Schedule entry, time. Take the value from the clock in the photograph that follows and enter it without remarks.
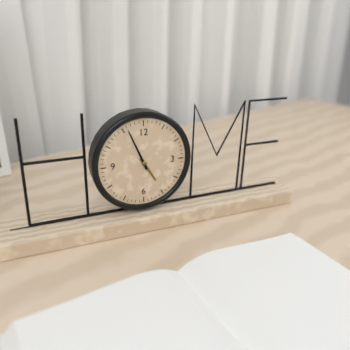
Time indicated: 4:56
